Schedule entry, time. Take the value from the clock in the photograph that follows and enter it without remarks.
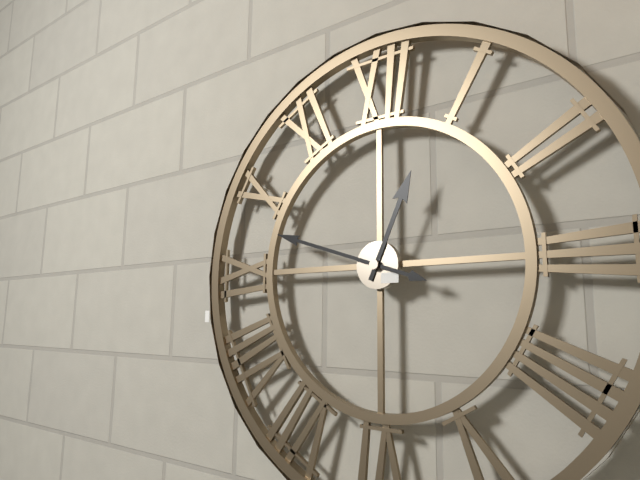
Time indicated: 12:48
